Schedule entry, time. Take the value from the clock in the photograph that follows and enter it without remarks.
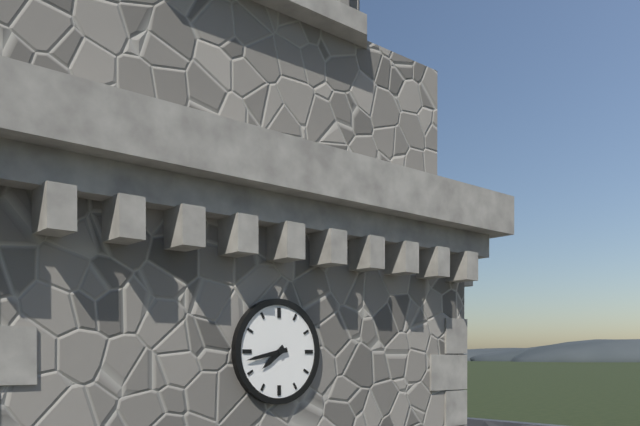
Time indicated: 7:43
